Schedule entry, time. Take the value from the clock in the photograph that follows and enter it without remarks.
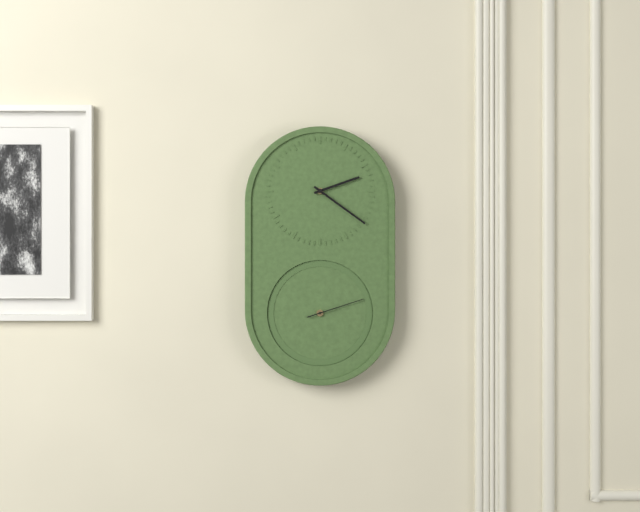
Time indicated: 2:21:12
